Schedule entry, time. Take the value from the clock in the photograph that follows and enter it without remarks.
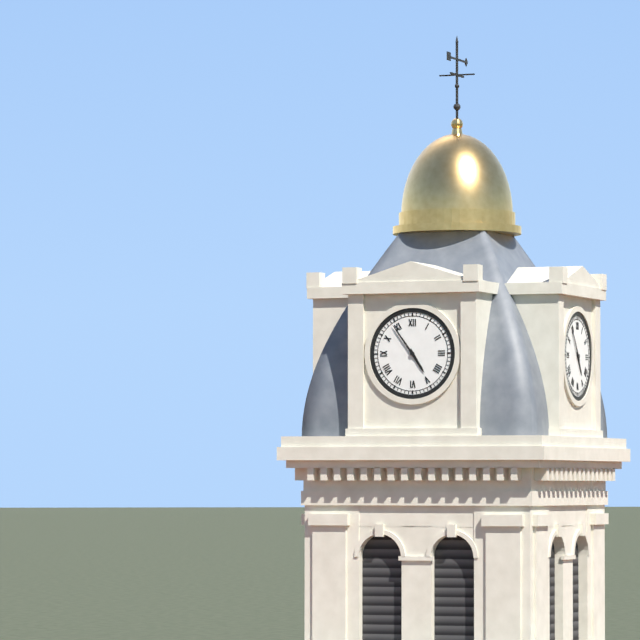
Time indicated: 4:54
